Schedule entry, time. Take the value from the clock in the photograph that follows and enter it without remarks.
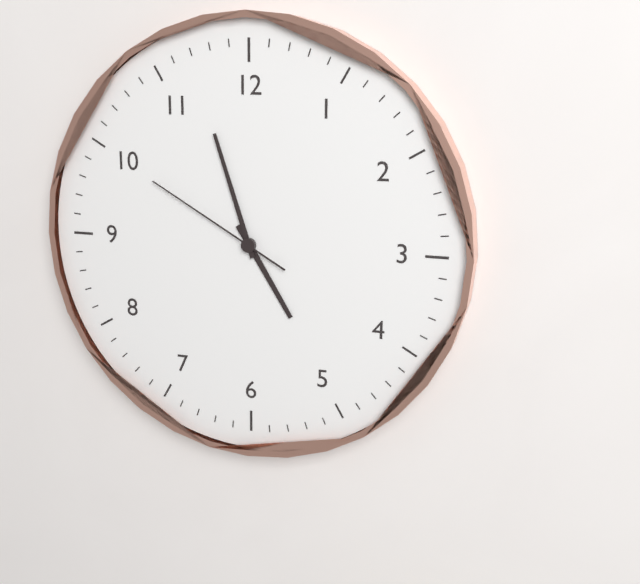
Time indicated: 4:57:50
